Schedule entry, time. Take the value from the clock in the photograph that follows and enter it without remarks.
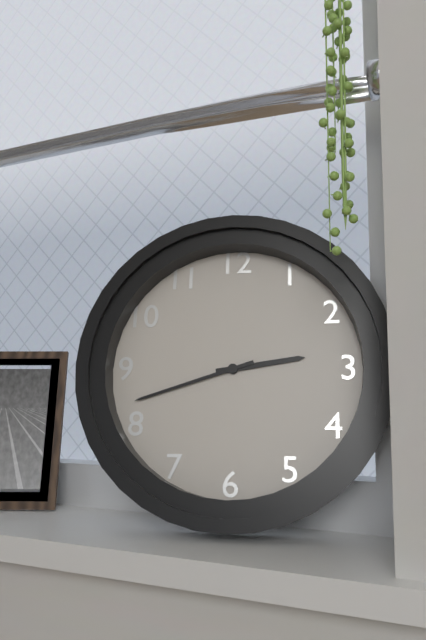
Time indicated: 2:42
